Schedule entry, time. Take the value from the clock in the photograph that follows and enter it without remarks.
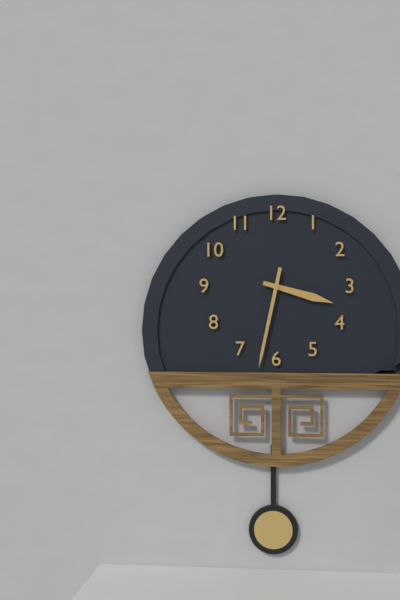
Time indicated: 3:32
